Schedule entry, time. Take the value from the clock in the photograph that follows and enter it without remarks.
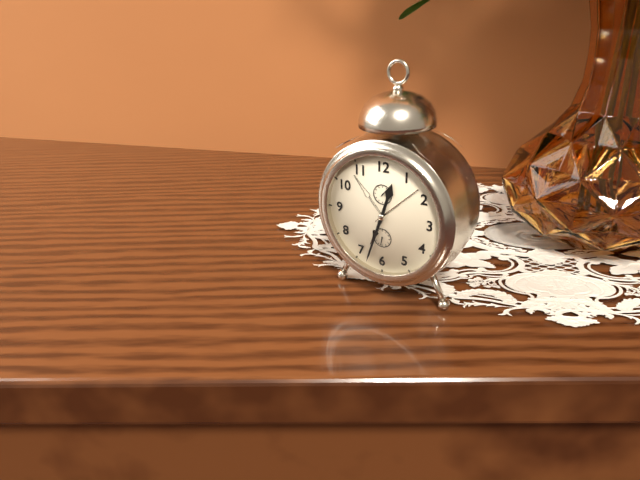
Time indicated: 12:33
